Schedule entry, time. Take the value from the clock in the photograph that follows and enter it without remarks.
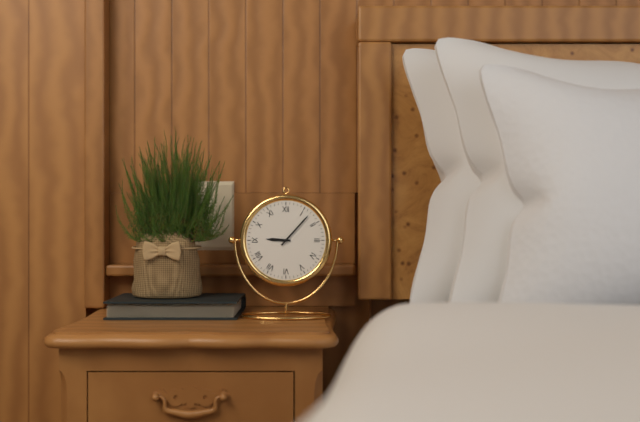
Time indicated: 9:07
